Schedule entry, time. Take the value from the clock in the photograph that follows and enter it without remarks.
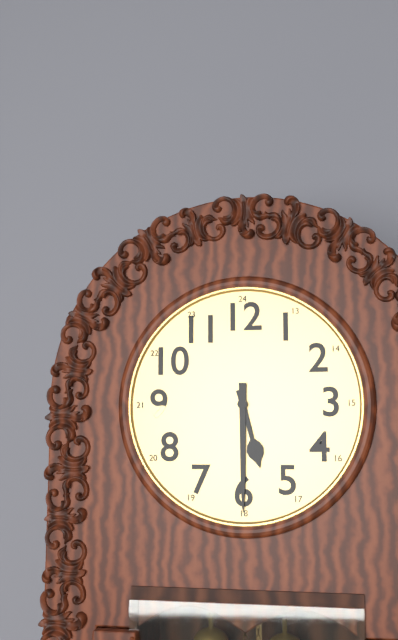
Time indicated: 5:30
